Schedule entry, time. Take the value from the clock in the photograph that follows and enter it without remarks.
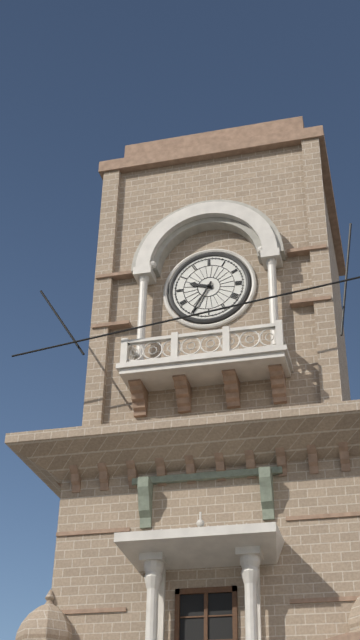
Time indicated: 9:35
